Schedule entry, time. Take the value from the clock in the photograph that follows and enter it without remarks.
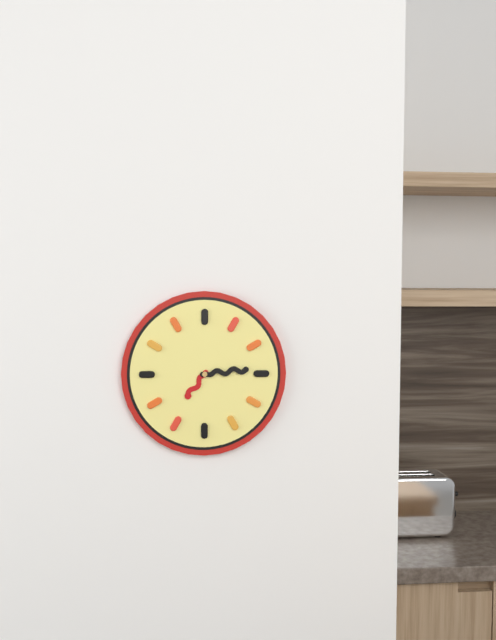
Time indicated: 7:14
